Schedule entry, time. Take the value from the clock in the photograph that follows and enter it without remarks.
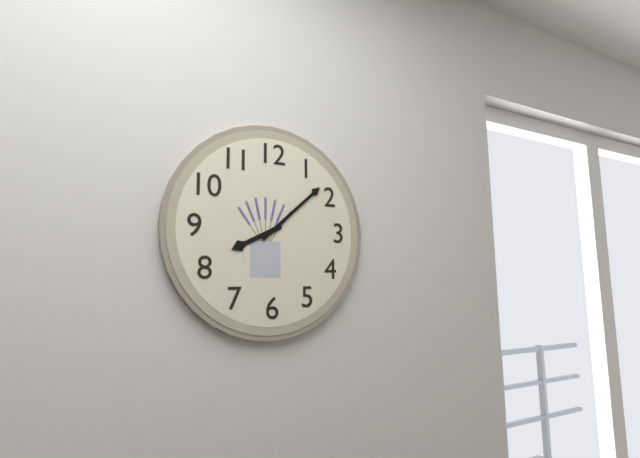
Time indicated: 8:08
